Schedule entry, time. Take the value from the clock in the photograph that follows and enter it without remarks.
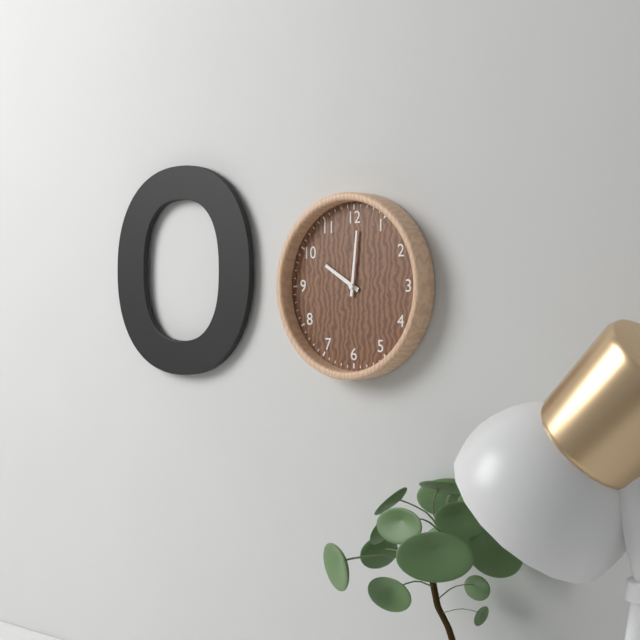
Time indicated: 10:01
